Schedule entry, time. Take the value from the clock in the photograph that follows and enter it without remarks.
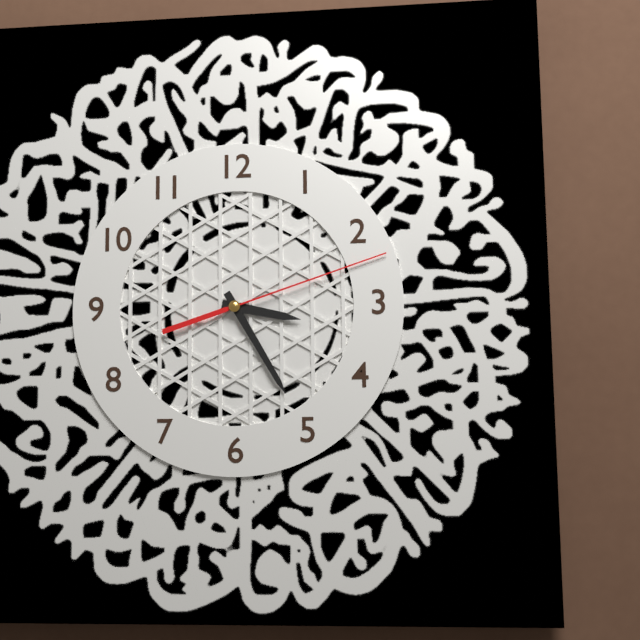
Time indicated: 3:25:12
